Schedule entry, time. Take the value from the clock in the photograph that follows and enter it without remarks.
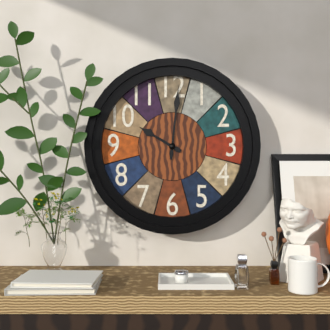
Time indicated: 10:01
